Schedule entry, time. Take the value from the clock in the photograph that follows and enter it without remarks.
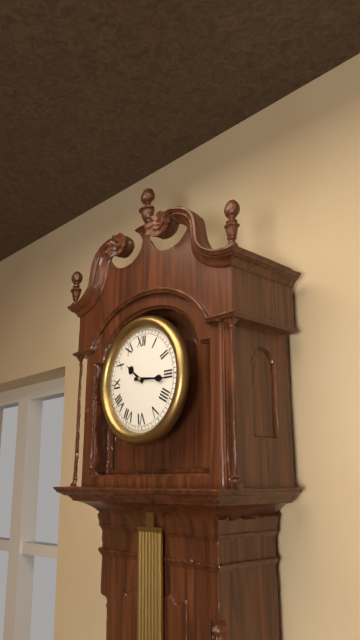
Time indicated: 10:16
